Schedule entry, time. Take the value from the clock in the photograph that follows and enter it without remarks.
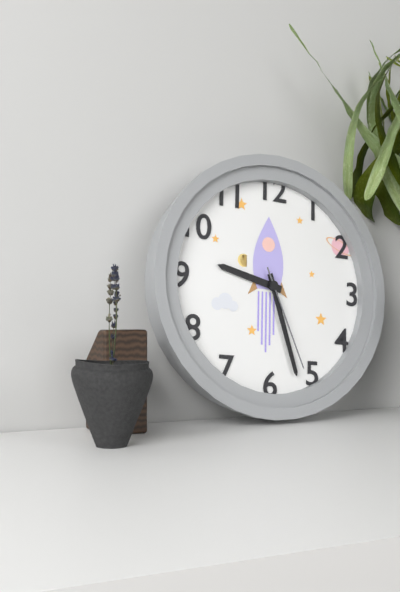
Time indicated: 9:27:26
